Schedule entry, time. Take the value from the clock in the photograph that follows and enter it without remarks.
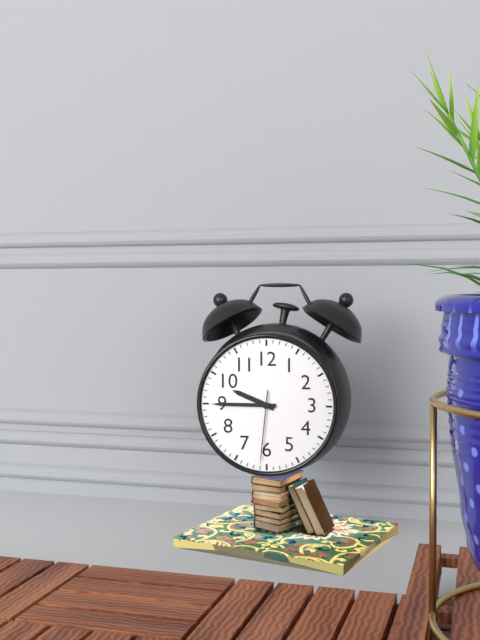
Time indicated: 9:45:31
